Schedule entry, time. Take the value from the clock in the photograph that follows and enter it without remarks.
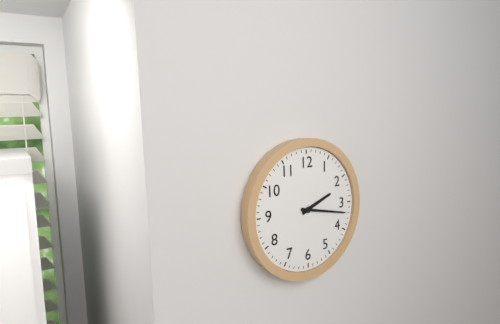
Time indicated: 2:17
